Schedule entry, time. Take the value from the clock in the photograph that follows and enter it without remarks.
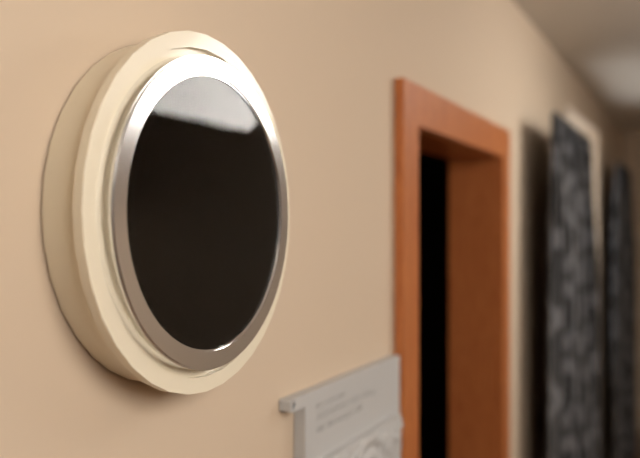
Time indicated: 1:58
